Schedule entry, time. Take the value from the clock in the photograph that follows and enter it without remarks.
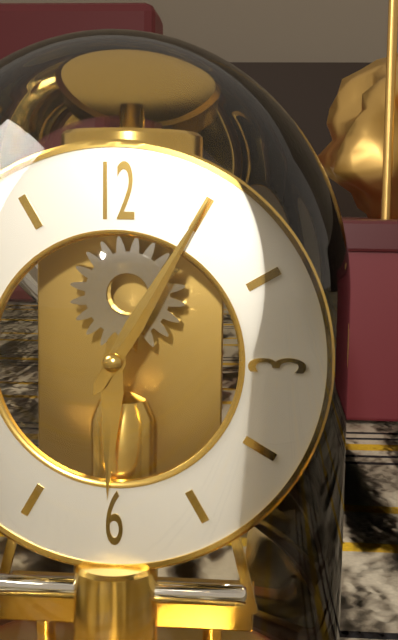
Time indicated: 6:05
